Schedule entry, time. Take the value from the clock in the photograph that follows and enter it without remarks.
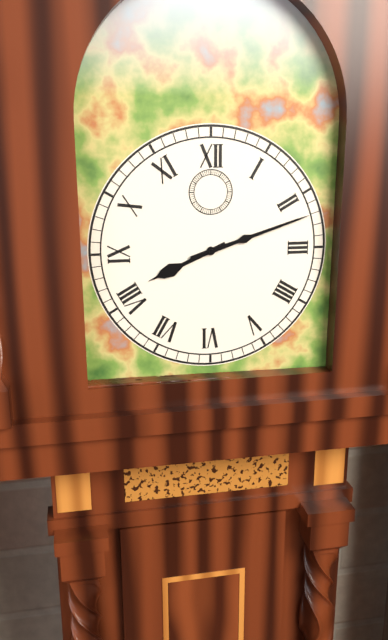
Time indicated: 8:12
